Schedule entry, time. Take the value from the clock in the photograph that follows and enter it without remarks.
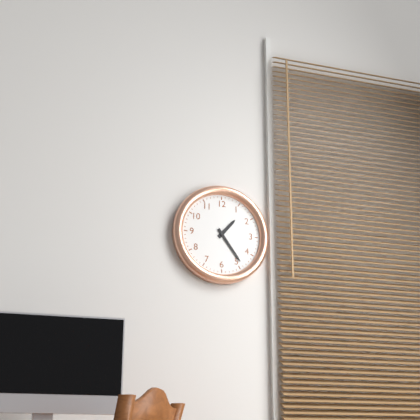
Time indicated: 1:24
